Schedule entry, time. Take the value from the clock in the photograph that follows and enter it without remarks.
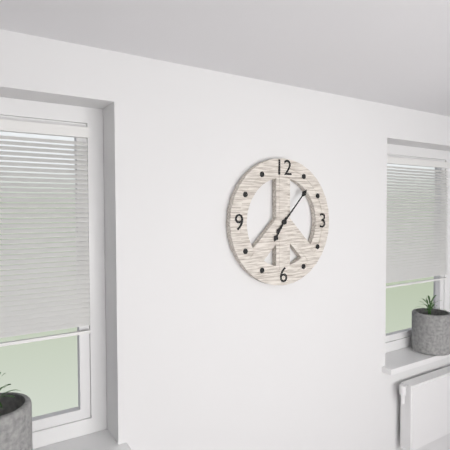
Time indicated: 7:07
